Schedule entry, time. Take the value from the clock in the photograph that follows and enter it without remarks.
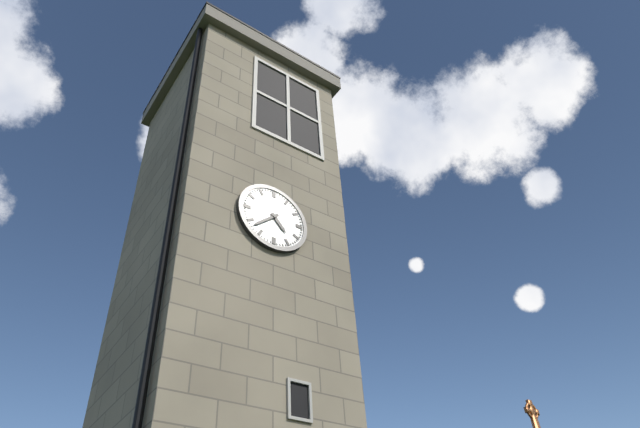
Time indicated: 4:38
